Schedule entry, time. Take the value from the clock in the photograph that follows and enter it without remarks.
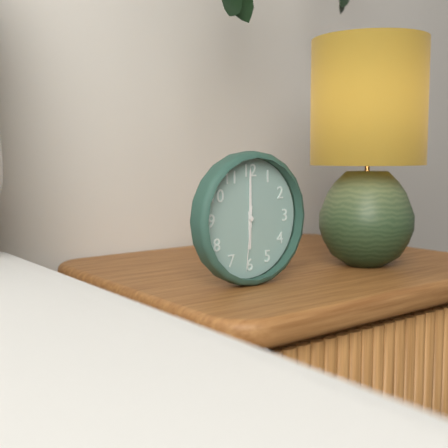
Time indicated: 6:00:31
